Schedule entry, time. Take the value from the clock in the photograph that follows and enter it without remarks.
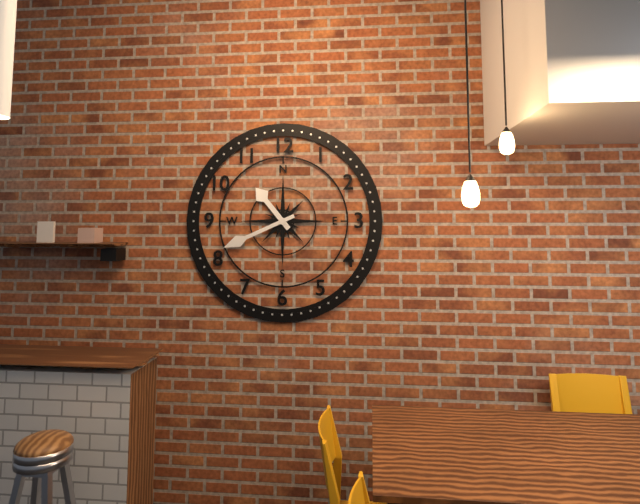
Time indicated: 10:41
